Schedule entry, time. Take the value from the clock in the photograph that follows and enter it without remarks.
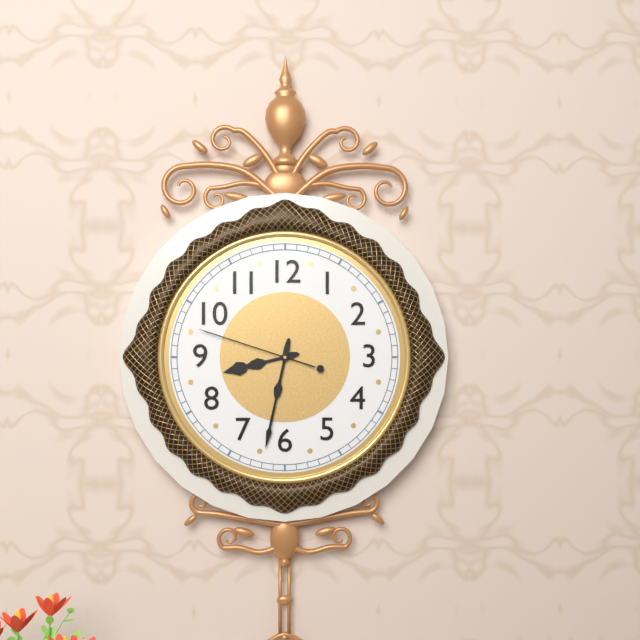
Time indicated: 8:32:48
